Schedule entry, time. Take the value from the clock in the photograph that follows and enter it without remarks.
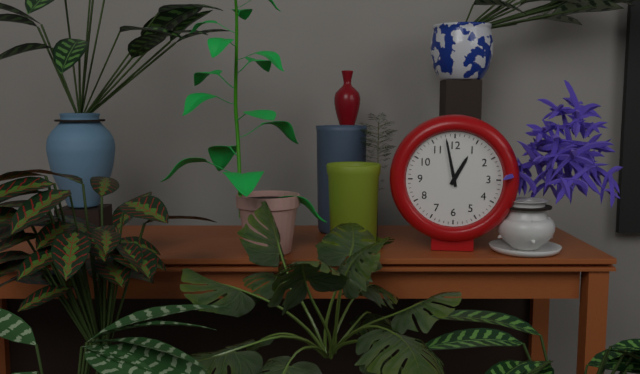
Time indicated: 12:58
